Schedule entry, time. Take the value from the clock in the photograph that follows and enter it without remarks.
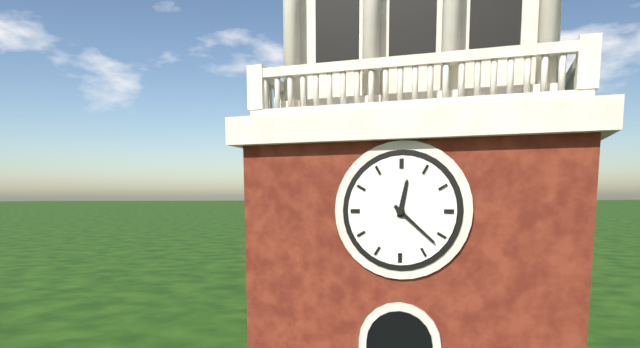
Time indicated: 12:22
